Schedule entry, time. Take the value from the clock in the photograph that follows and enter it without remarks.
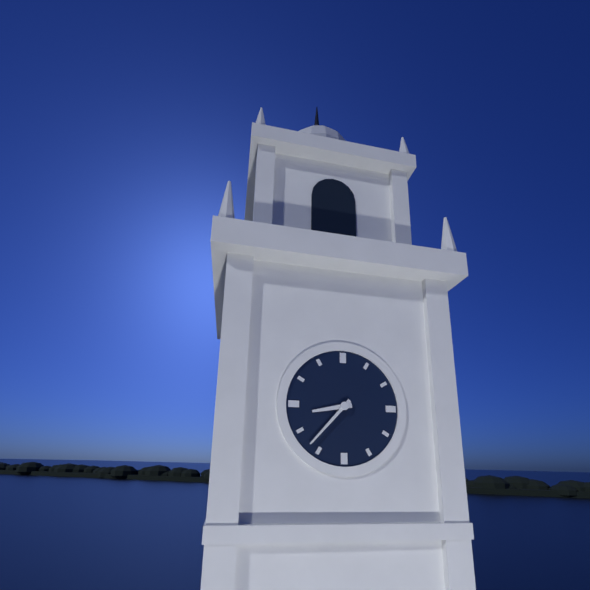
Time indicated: 8:37
